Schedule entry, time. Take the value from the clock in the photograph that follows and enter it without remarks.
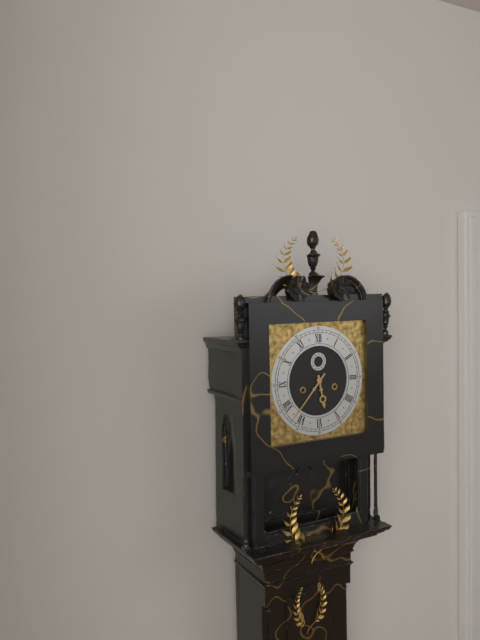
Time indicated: 5:37
